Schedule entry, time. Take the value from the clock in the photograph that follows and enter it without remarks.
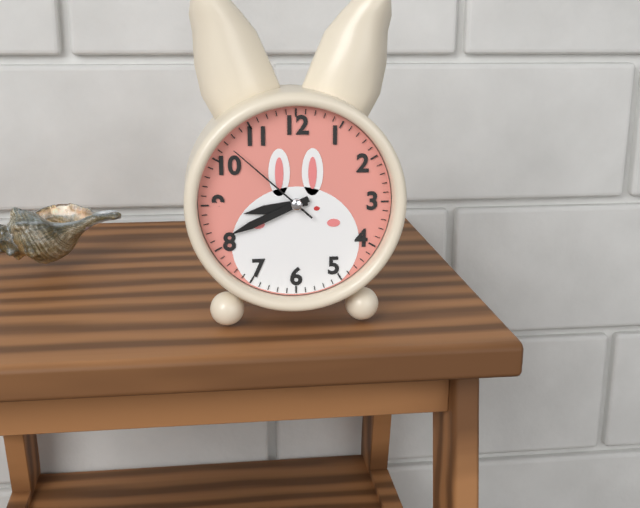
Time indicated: 8:41:52
